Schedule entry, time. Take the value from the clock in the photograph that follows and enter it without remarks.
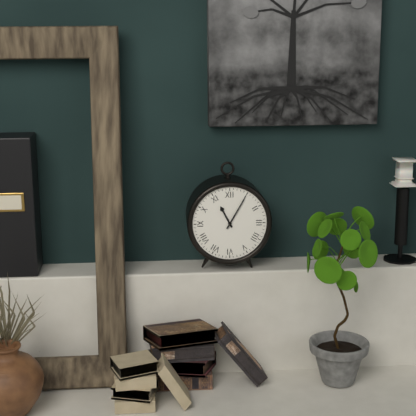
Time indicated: 11:05
